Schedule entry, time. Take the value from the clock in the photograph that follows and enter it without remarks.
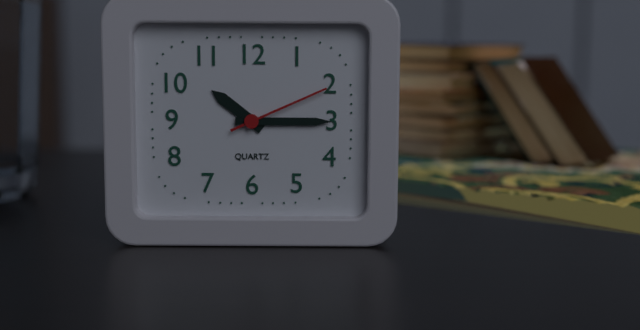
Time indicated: 10:15:11
